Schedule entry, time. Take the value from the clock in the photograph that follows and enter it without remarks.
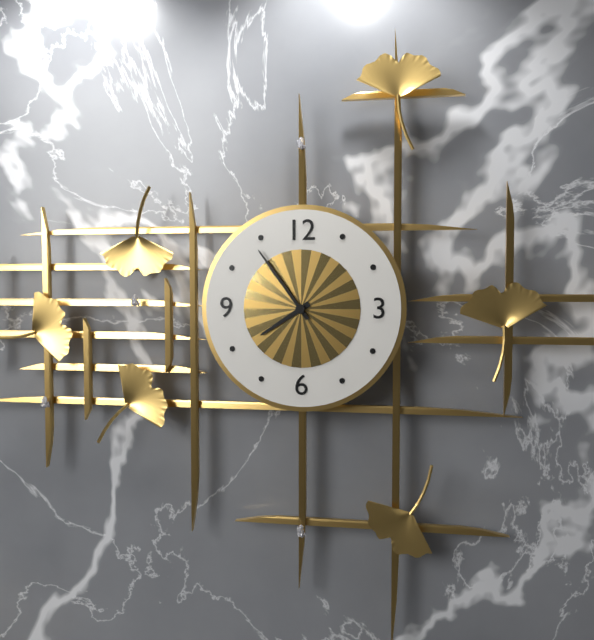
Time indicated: 7:54
